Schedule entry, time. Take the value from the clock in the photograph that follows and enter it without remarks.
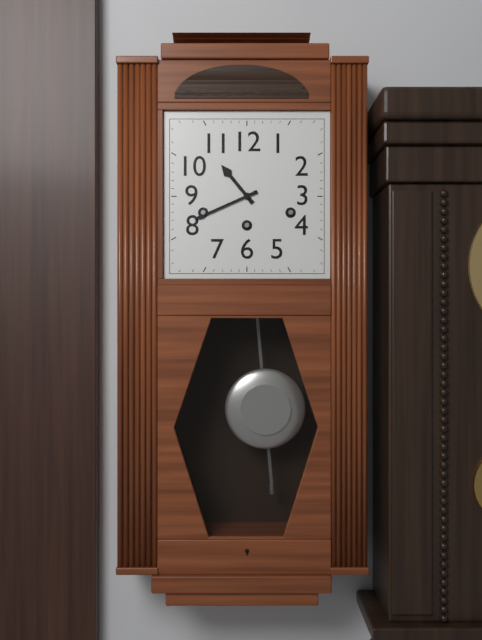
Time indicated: 10:41
